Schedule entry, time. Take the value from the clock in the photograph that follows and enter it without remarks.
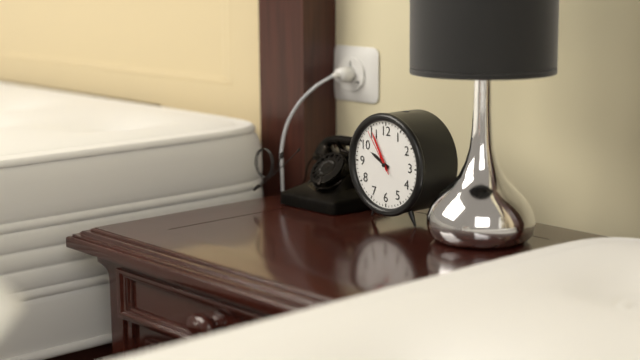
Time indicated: 9:55
